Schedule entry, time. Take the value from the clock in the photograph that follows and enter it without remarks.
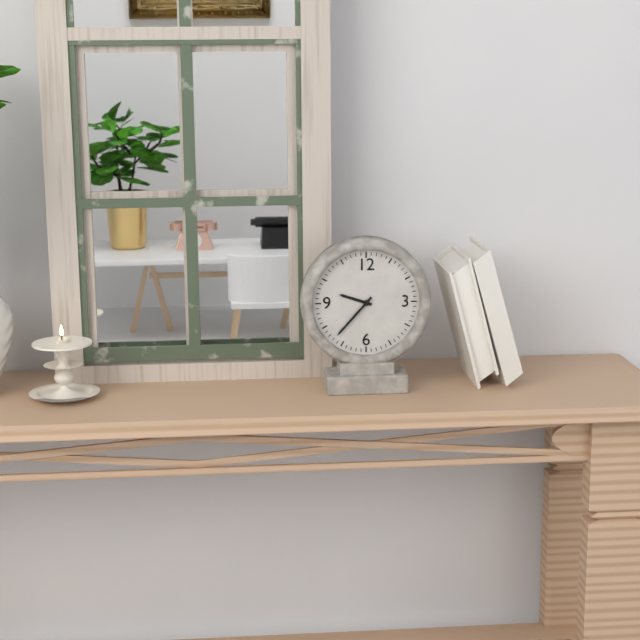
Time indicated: 9:37
